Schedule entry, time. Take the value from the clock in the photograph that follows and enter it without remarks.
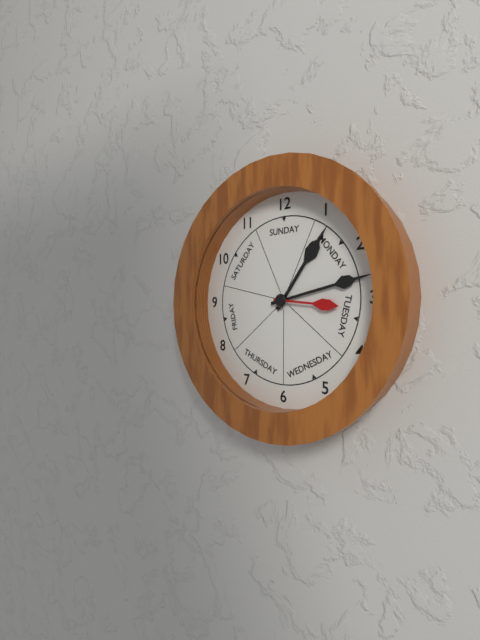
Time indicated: 1:13:16
